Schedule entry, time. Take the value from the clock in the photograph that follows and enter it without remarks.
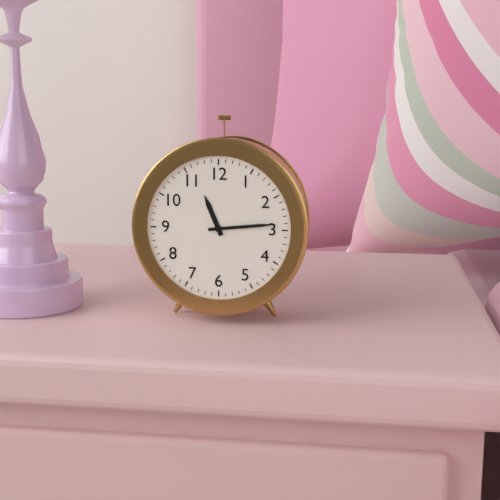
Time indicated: 11:14
